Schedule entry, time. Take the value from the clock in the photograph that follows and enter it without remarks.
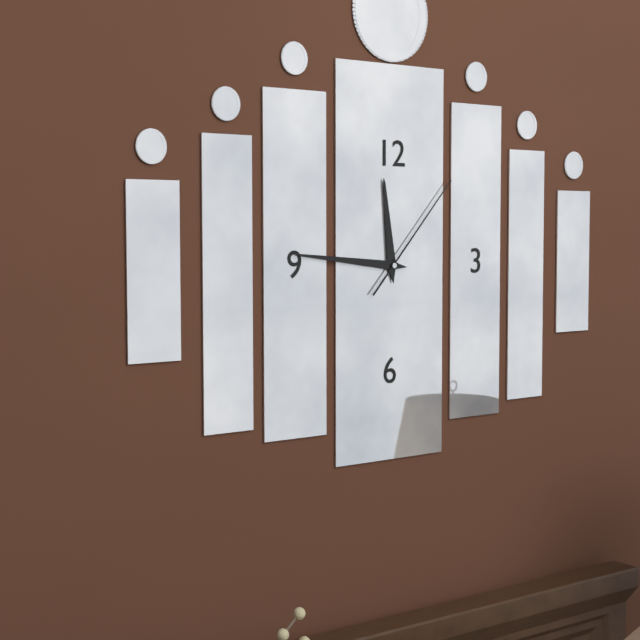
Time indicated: 11:46:07
